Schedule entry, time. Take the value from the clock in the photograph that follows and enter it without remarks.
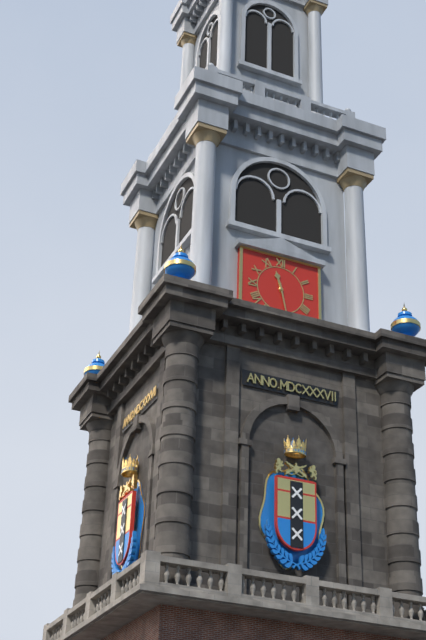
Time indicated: 11:28
